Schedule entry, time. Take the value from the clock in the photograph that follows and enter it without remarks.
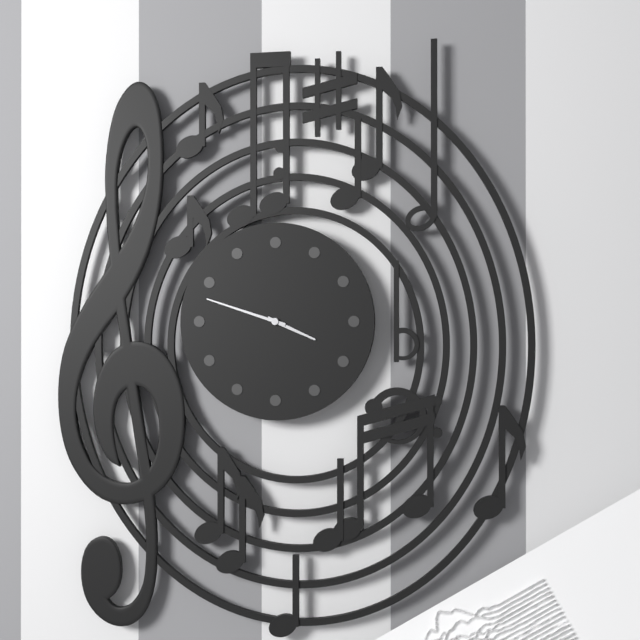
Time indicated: 3:48
